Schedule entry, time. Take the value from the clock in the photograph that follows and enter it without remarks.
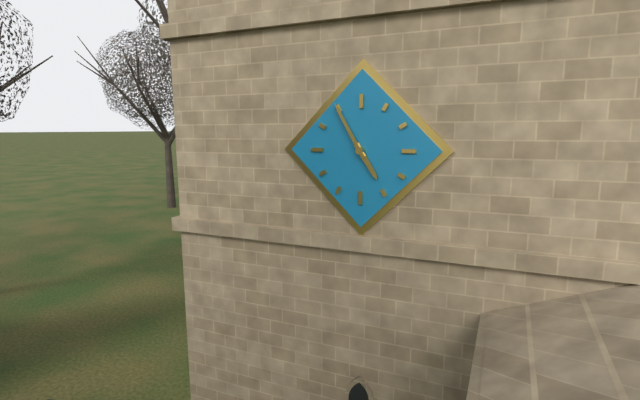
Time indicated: 4:55
